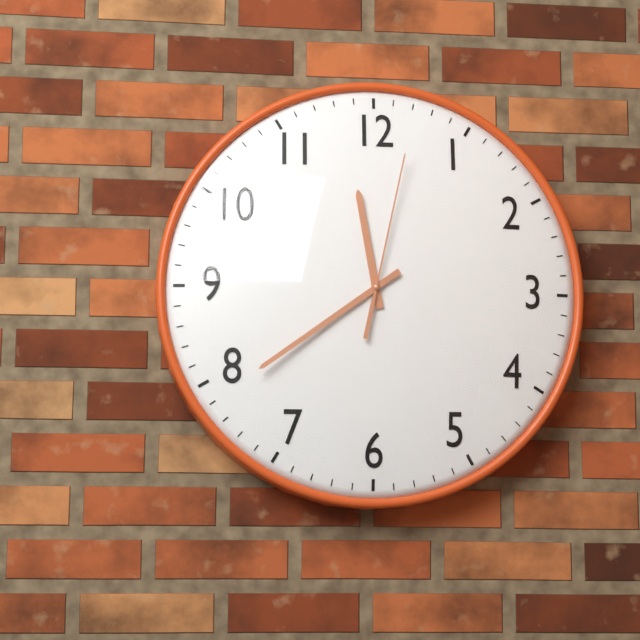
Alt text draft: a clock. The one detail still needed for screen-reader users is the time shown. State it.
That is 11:39:02
